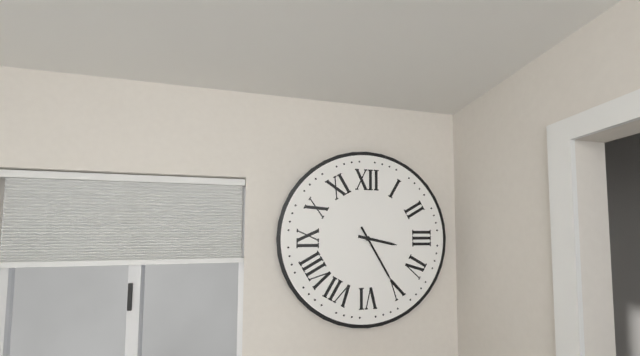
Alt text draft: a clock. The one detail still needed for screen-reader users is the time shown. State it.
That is 3:25
